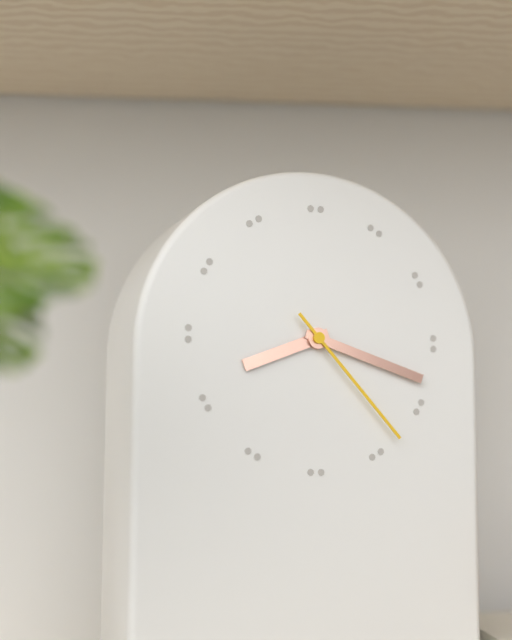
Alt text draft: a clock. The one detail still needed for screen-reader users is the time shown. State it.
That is 8:18:23
